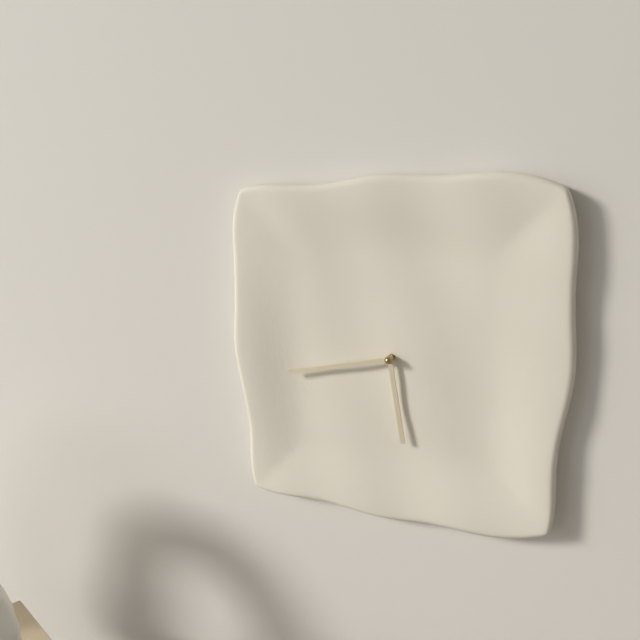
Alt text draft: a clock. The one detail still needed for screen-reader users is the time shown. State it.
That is 5:43
